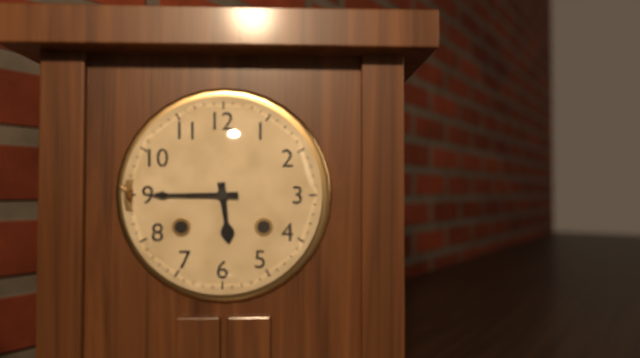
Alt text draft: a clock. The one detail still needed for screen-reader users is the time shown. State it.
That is 5:45
